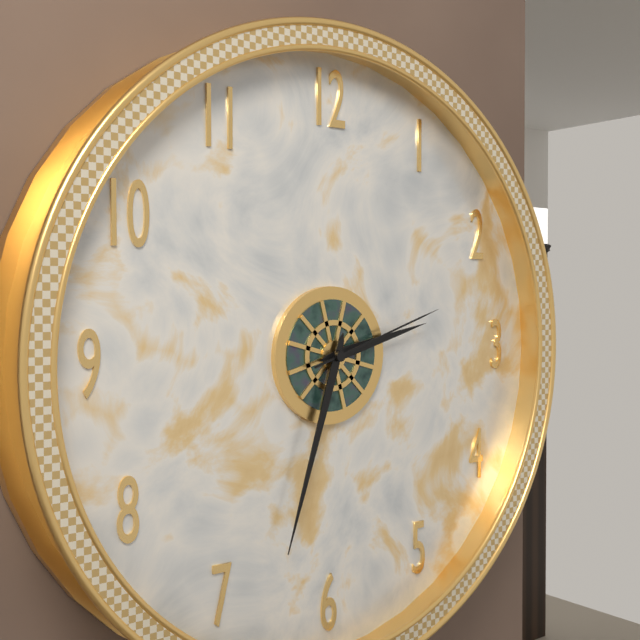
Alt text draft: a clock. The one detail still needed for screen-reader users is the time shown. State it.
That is 2:33:12
